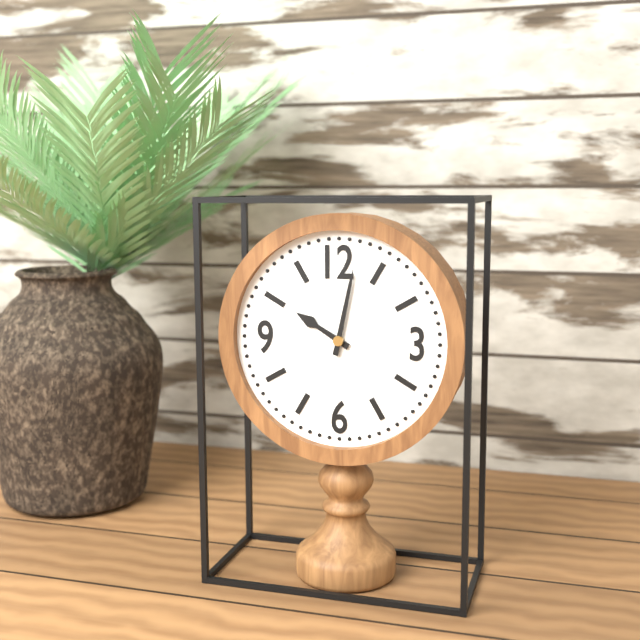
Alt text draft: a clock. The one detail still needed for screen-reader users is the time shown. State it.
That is 10:02
